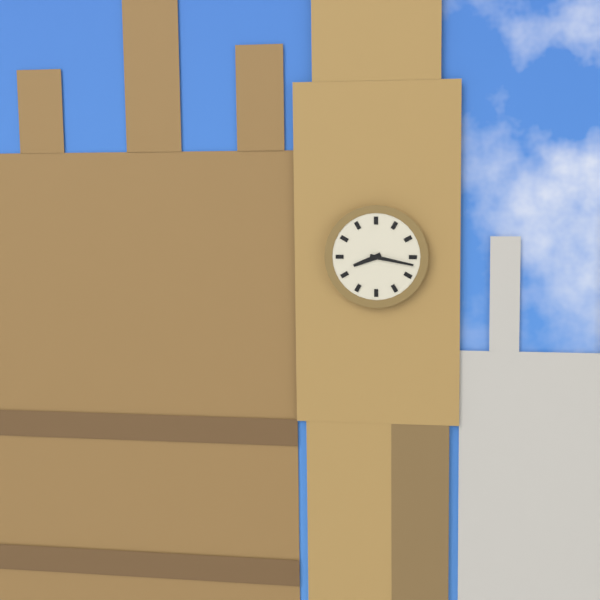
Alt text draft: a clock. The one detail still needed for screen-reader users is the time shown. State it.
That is 8:17
